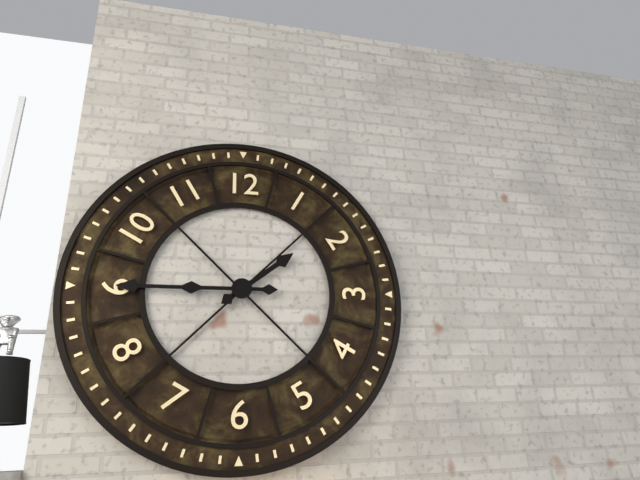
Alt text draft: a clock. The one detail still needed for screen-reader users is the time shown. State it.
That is 1:45
